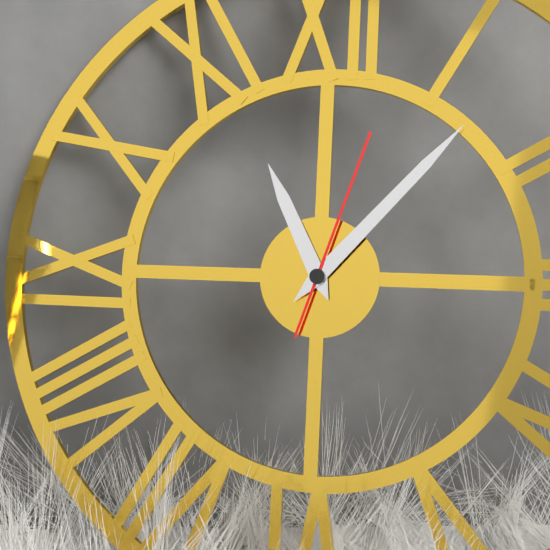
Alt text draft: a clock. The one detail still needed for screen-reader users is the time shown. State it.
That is 11:07:03
